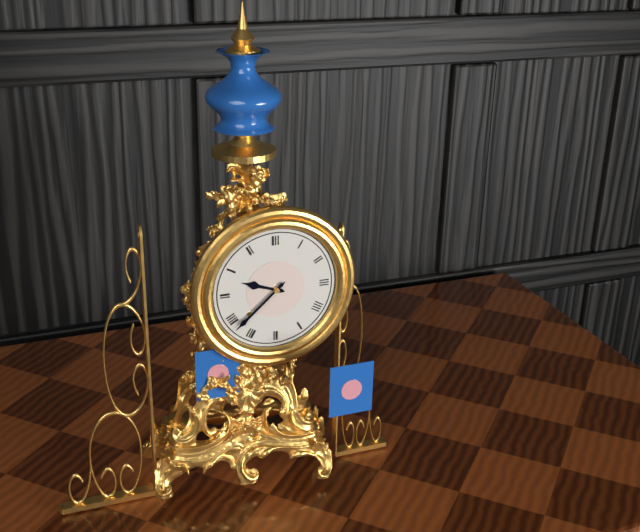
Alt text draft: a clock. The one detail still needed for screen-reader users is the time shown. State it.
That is 9:38
